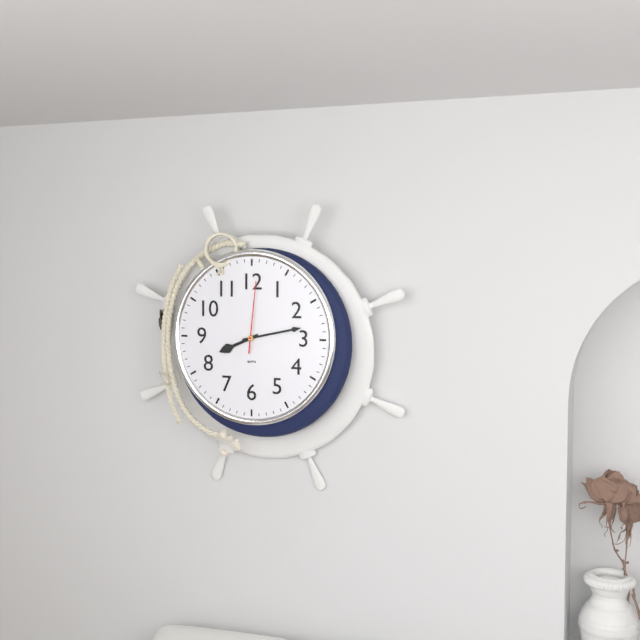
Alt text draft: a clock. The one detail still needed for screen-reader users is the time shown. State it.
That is 8:13:01
